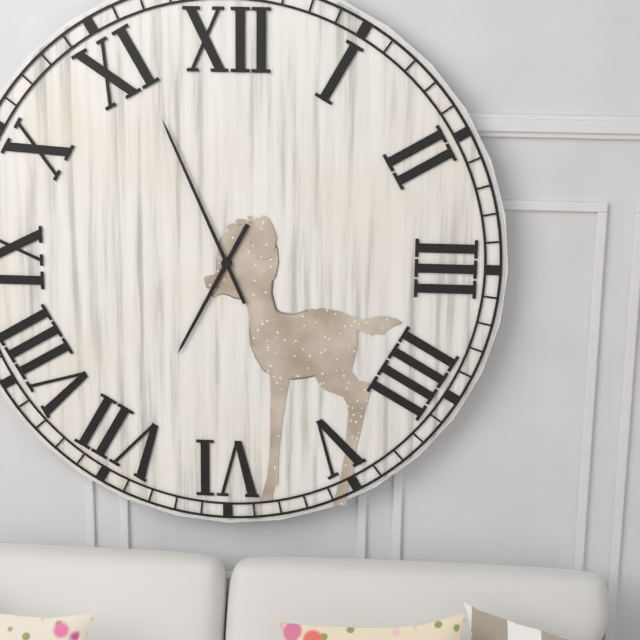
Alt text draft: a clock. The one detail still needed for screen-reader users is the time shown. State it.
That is 6:56
